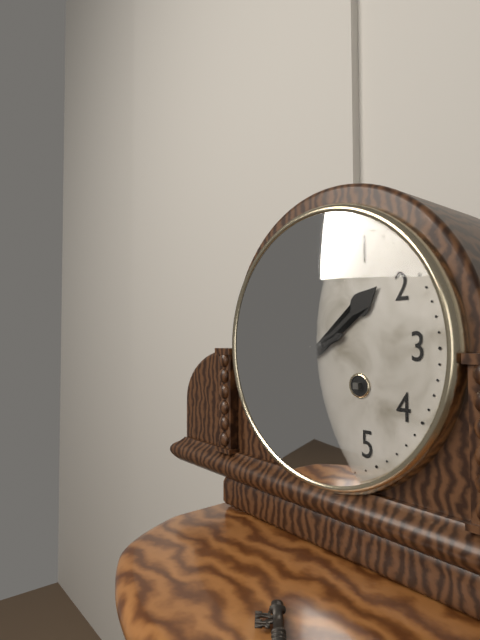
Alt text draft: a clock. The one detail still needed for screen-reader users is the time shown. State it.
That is 1:41
